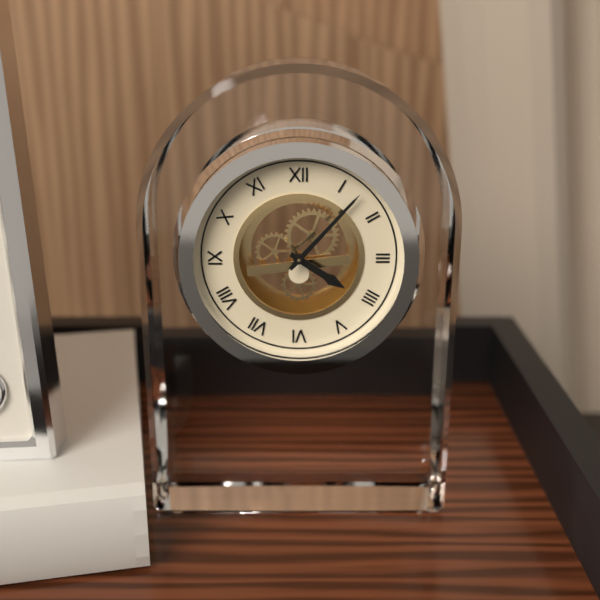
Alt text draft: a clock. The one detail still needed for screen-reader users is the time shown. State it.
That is 4:07
